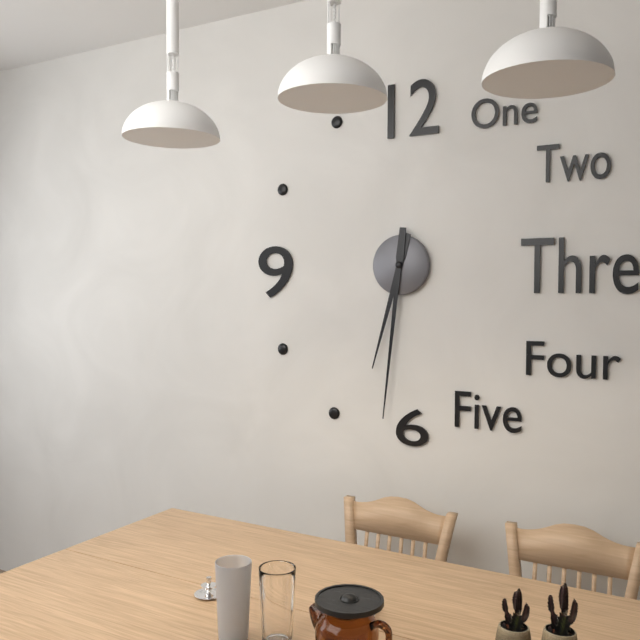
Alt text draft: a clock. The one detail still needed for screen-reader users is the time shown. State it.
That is 6:31
